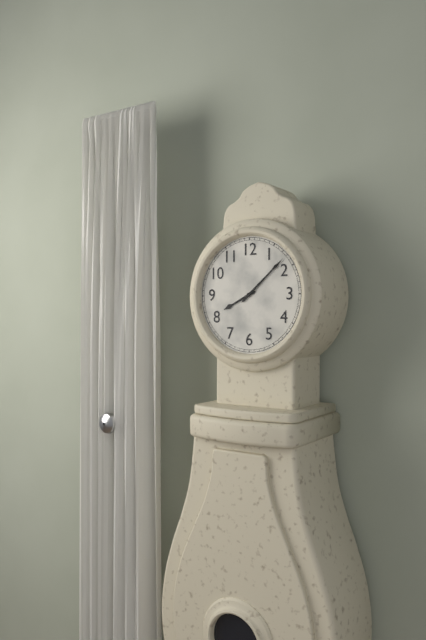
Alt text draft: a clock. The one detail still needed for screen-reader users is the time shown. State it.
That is 8:08
